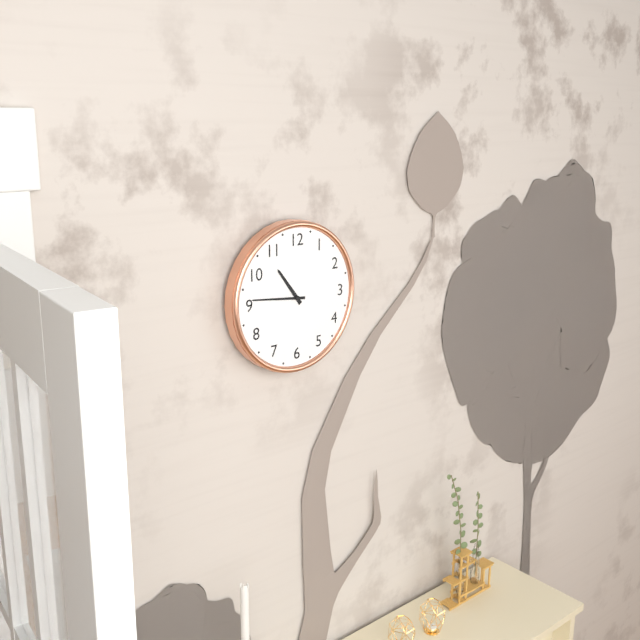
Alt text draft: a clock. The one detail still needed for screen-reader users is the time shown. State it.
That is 10:46
